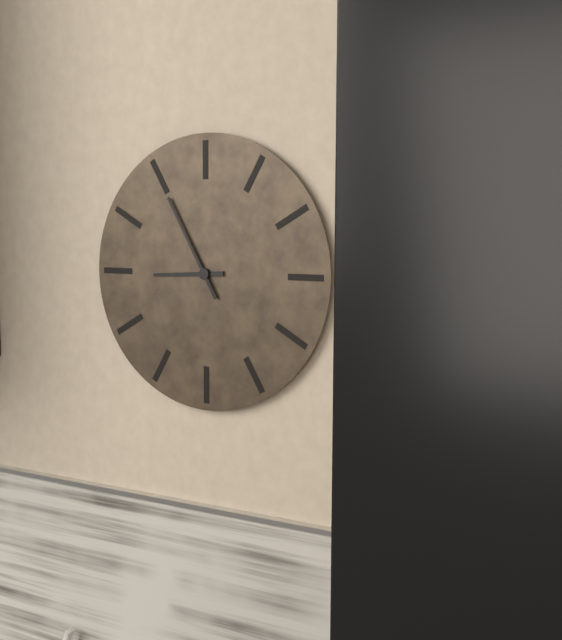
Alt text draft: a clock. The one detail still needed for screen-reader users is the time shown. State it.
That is 8:55
